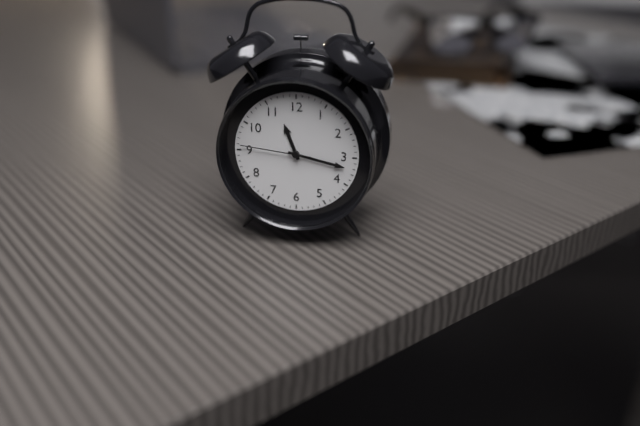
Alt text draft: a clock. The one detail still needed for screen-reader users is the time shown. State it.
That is 11:17:46
